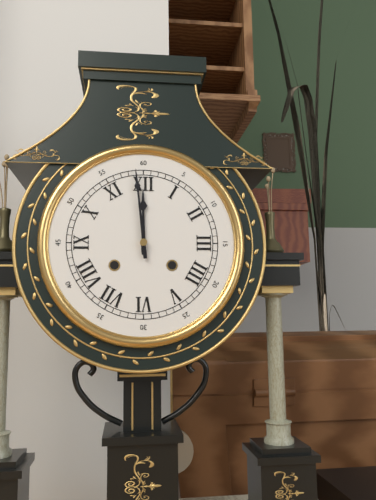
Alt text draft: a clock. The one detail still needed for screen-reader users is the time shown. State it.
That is 11:59
